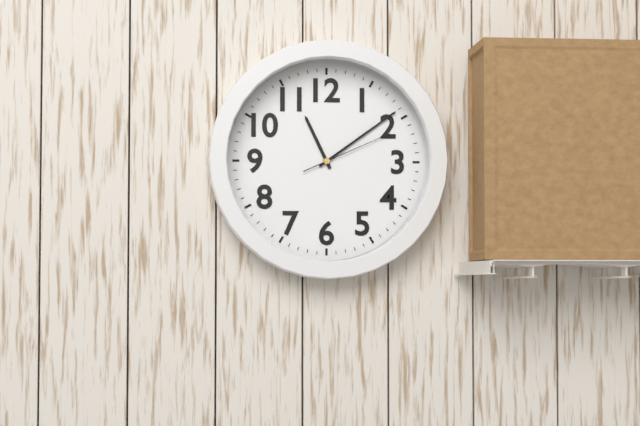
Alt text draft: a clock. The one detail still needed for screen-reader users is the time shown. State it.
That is 11:09:11
